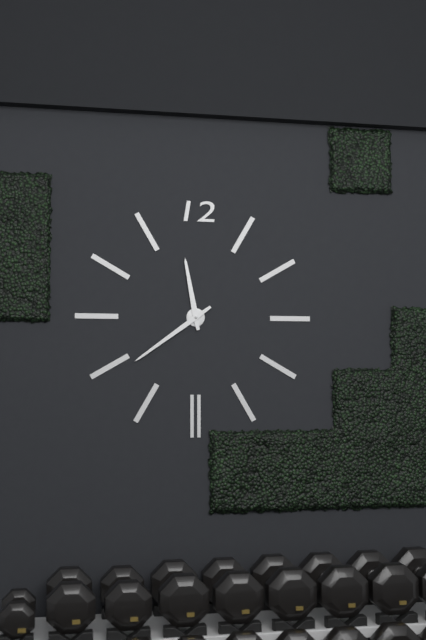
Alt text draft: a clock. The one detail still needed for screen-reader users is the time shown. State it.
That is 11:39
